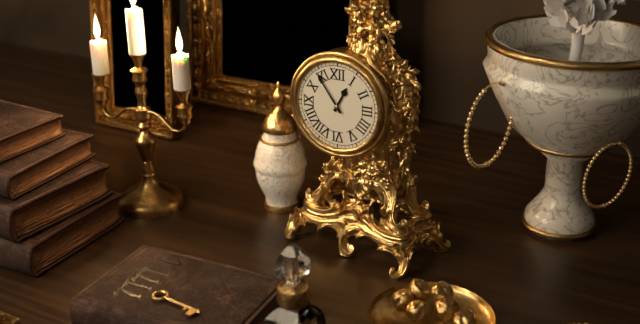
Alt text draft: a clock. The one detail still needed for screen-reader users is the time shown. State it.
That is 12:54
